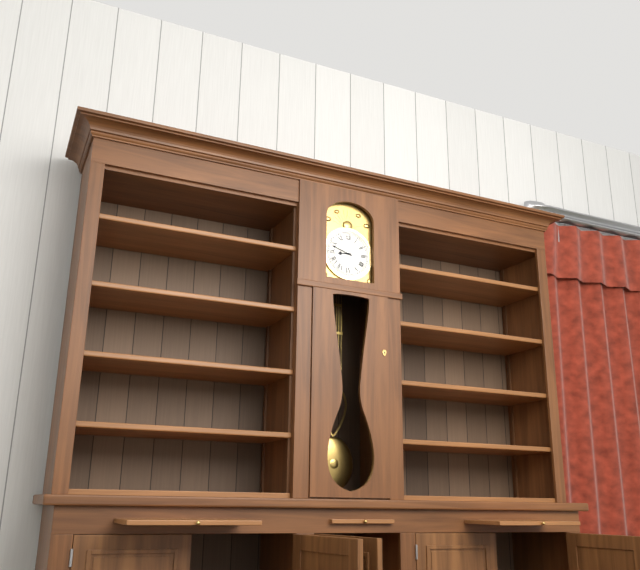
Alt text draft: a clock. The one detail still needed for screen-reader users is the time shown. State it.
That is 8:48
